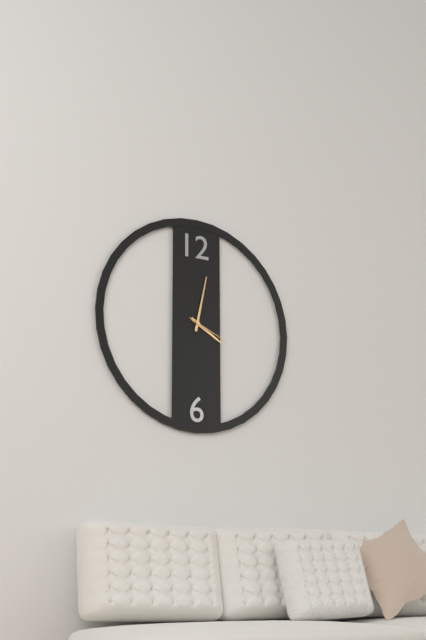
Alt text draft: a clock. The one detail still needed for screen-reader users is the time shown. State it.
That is 4:02
